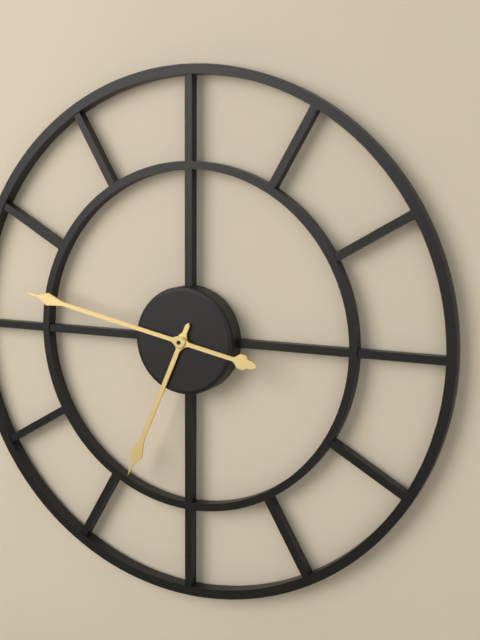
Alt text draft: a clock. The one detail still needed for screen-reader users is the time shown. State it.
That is 6:47
